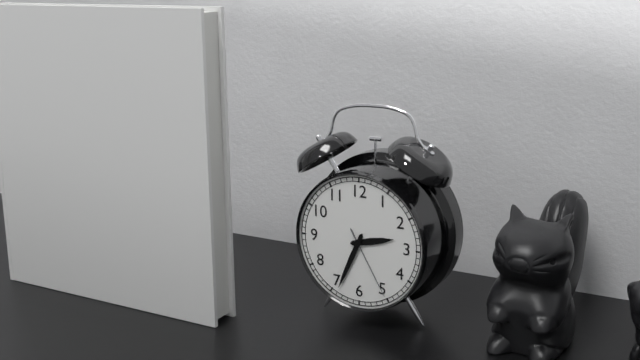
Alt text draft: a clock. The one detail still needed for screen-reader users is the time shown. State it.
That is 2:34:25
